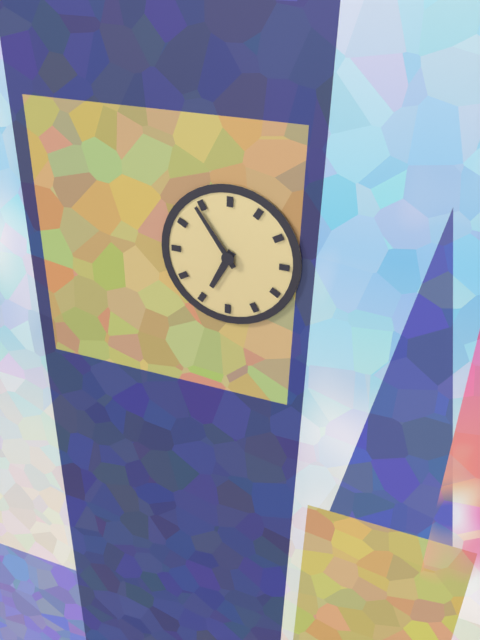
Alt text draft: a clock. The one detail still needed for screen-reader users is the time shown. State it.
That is 6:54
